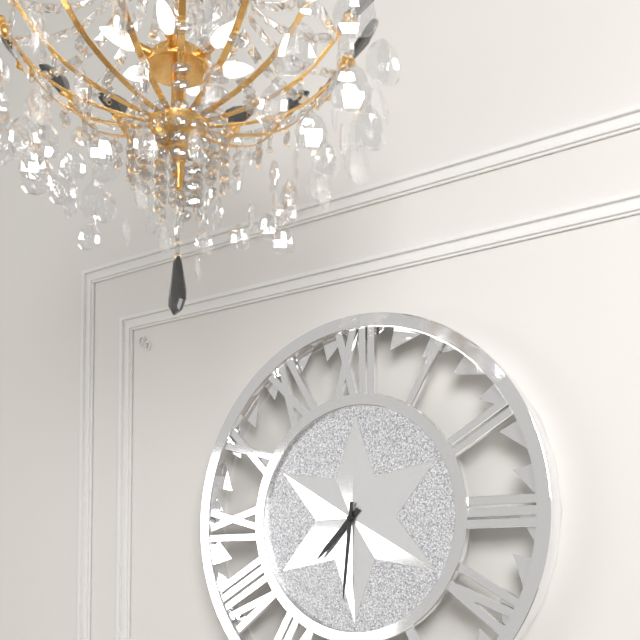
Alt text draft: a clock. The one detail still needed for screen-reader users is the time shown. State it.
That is 7:31
